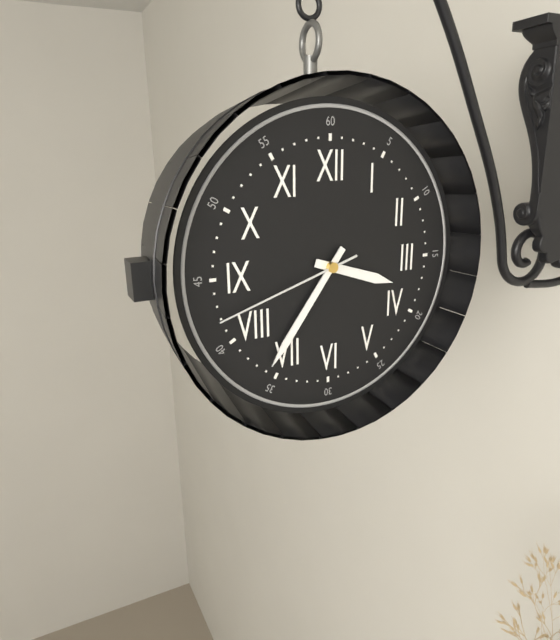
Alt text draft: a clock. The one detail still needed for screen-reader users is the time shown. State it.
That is 3:36:42
